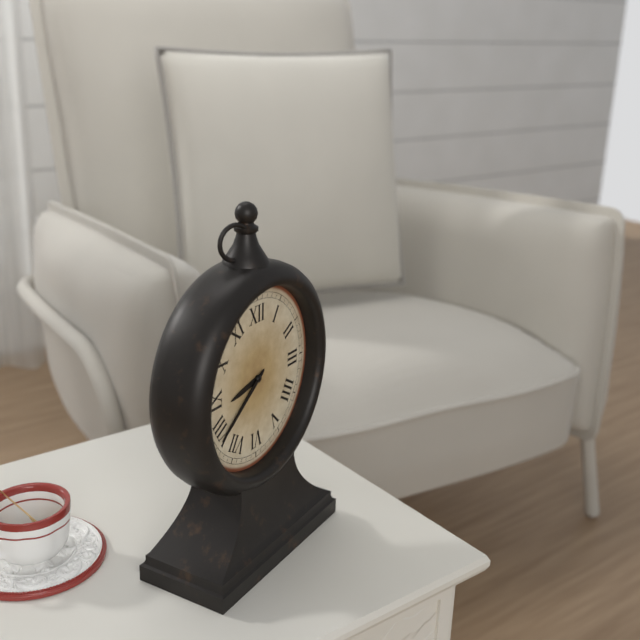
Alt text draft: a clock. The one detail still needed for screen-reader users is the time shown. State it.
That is 8:39
